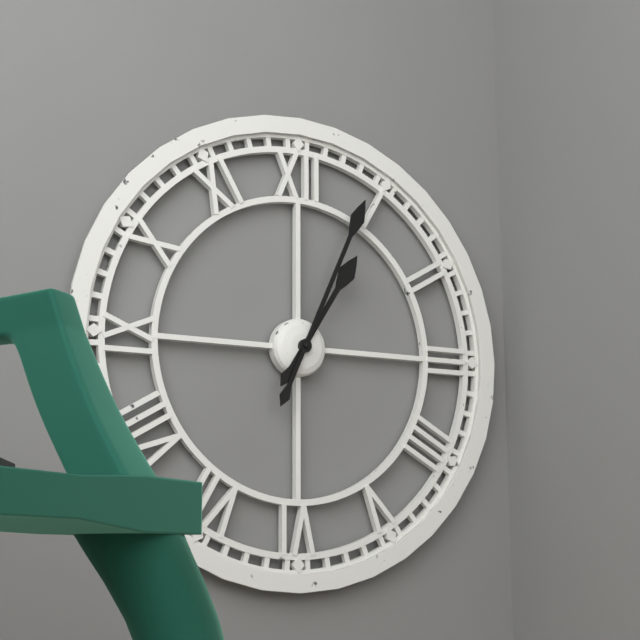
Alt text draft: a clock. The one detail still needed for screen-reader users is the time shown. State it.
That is 1:04
